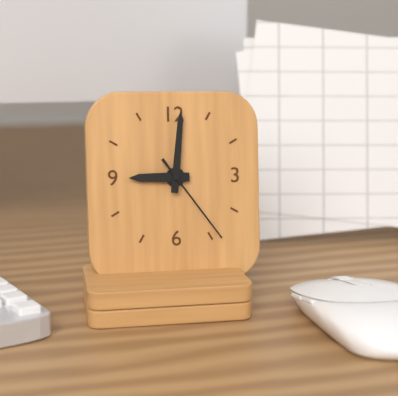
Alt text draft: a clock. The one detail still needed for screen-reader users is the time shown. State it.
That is 9:01:24
